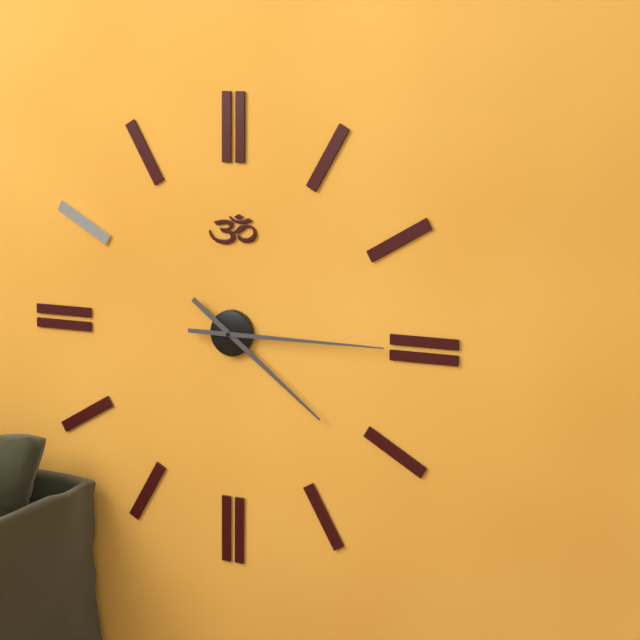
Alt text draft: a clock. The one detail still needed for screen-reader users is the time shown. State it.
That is 4:15
